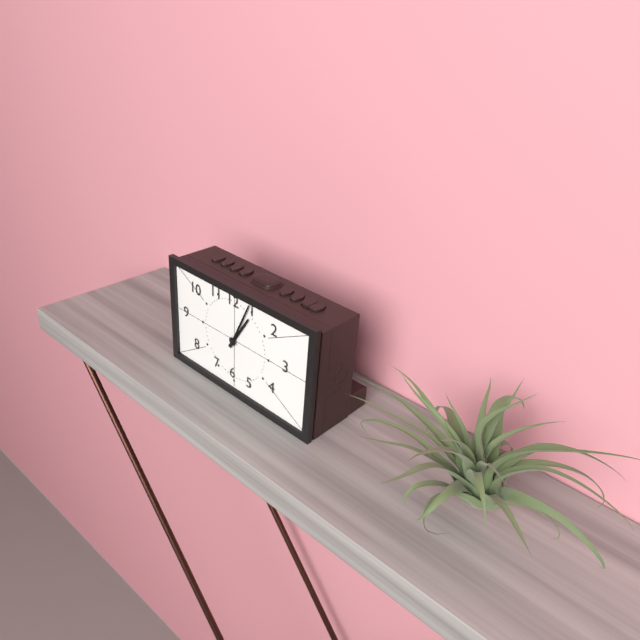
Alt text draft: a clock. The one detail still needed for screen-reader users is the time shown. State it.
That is 1:04
